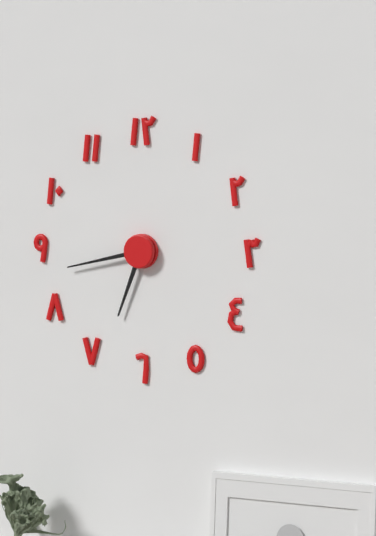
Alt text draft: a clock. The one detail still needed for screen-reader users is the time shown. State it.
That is 6:43
